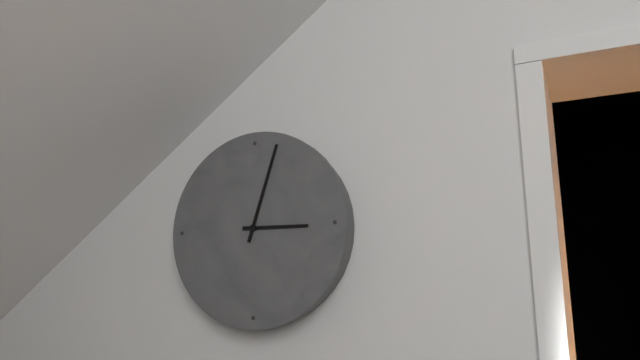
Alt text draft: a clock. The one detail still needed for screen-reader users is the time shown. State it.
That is 3:03
